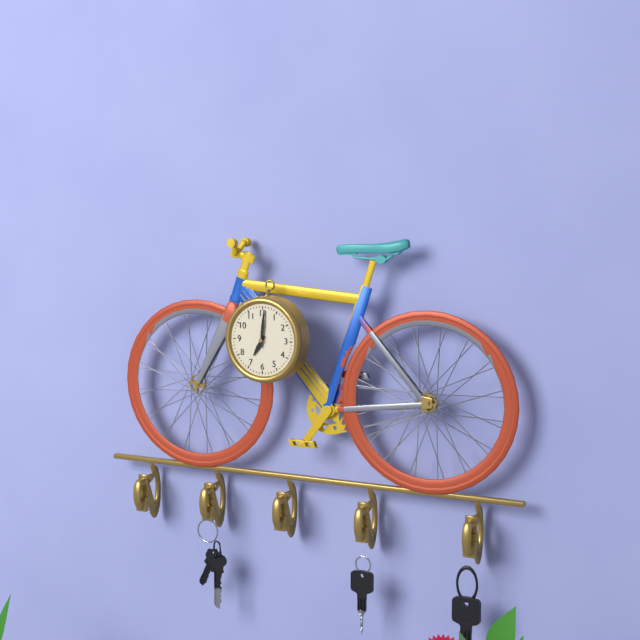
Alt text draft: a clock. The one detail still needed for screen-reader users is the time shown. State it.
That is 7:01
